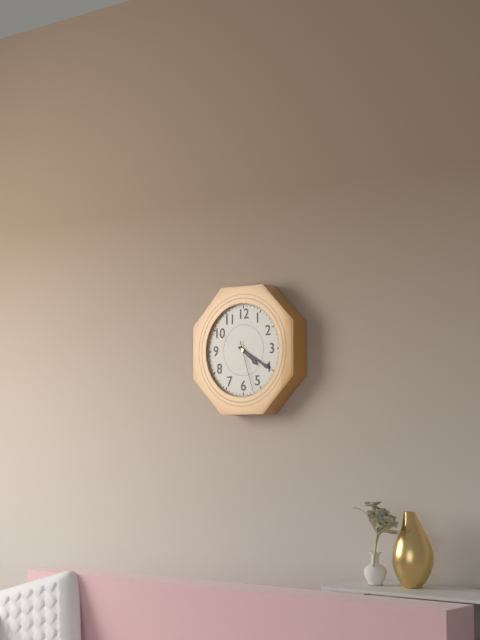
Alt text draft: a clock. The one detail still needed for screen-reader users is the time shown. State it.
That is 4:20:27
